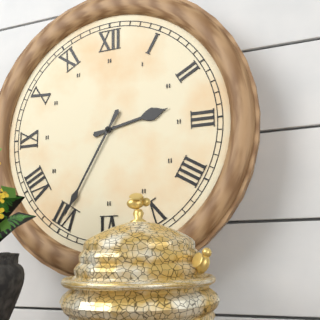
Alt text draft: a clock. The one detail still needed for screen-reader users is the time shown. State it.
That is 2:35
